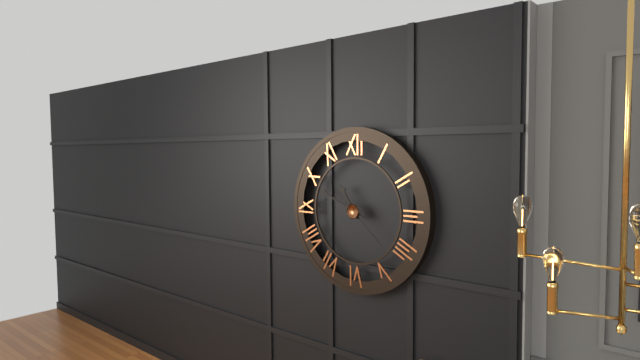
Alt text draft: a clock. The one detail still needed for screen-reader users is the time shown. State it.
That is 10:49:22
